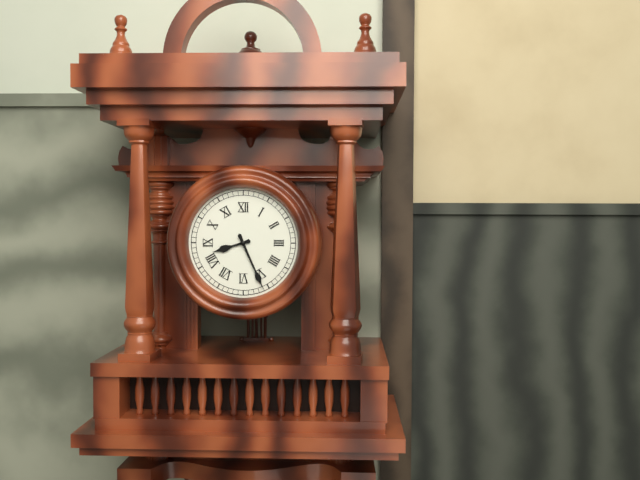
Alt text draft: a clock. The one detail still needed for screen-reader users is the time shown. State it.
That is 8:26
